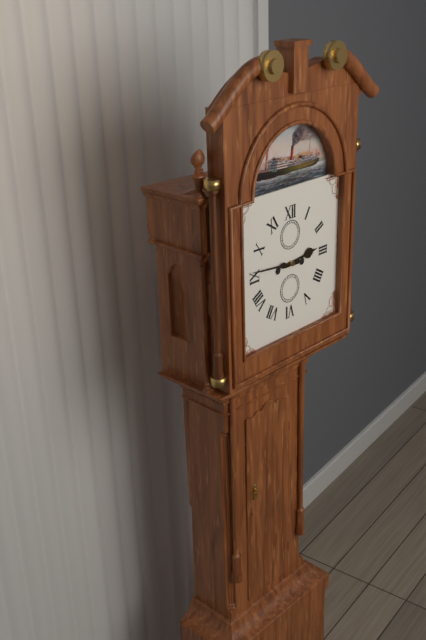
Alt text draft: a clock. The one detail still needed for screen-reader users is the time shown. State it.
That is 2:46
